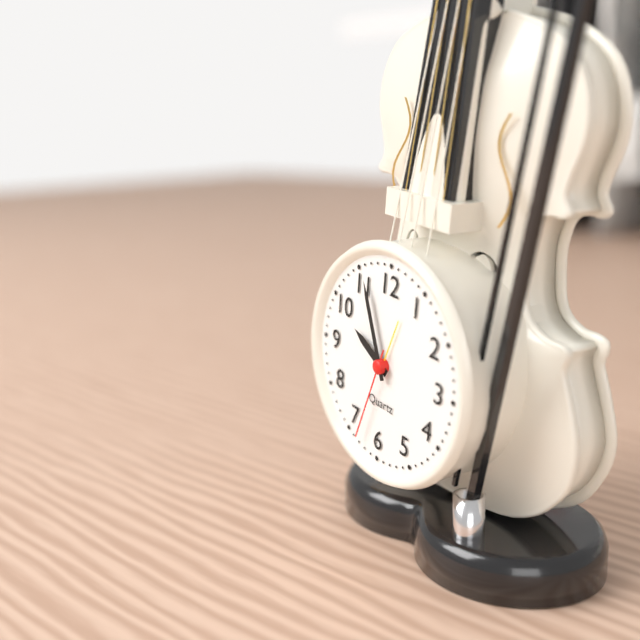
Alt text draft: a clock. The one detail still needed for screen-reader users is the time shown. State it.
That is 9:56:33
